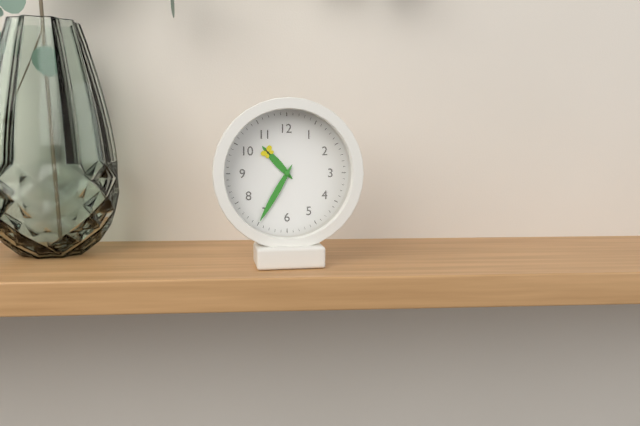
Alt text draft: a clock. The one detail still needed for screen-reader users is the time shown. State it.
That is 10:35
